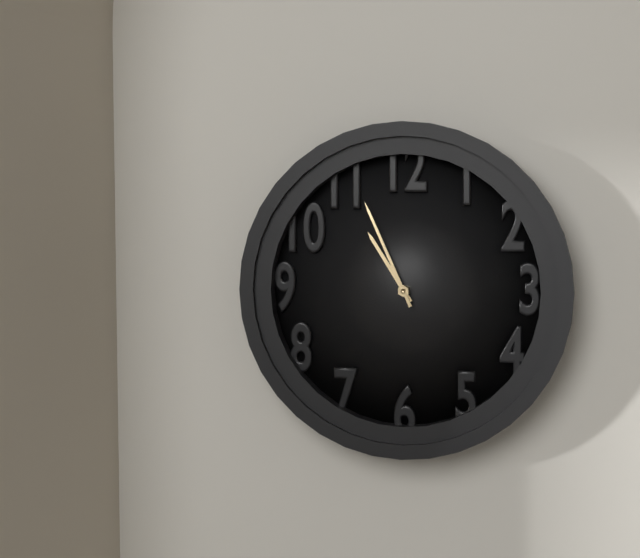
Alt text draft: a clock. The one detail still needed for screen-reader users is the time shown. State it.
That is 10:56
